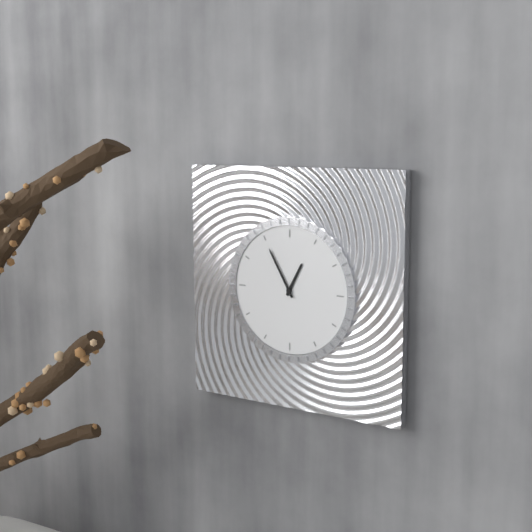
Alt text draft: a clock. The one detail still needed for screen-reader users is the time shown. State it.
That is 12:55
